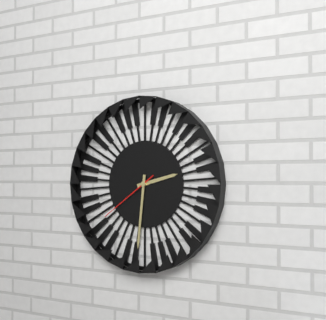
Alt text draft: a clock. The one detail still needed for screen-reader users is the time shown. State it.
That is 2:31:39
